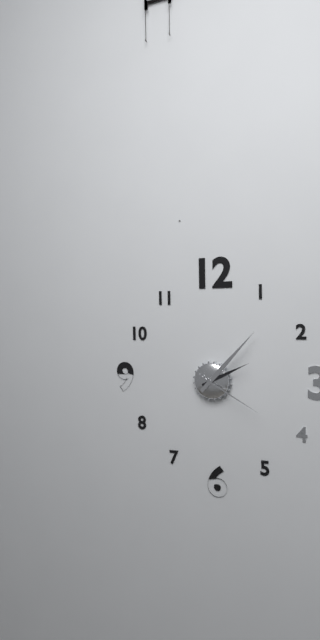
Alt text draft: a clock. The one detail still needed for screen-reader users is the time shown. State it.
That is 2:07:20
